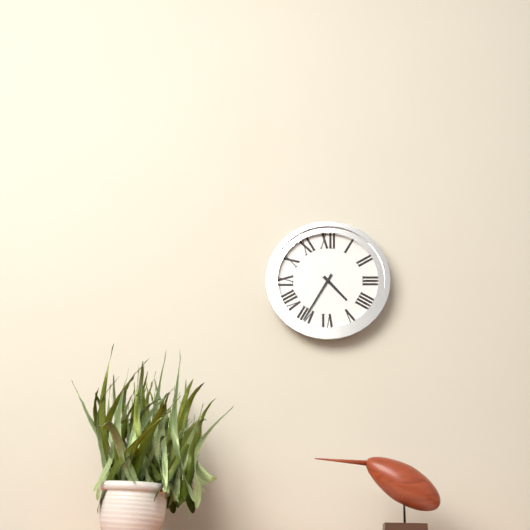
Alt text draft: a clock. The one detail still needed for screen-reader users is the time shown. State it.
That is 4:35
